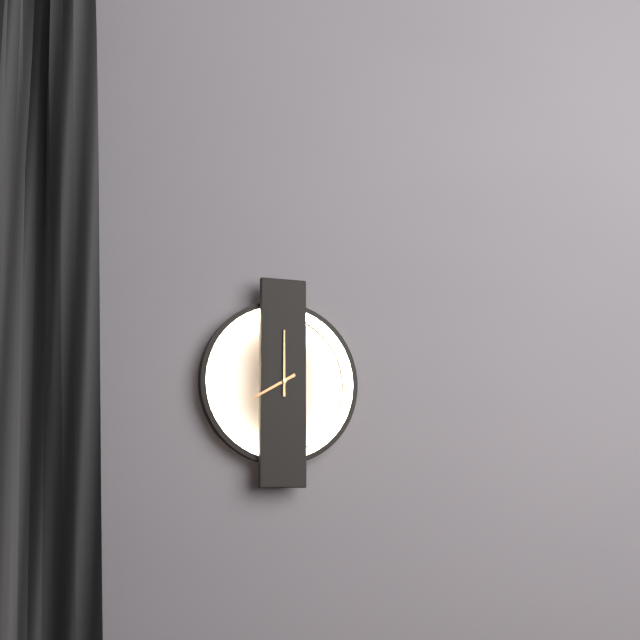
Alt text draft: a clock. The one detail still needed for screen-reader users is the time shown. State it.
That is 8:00
